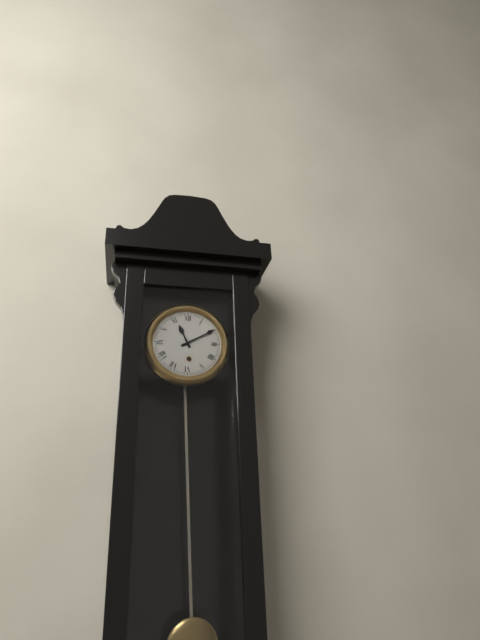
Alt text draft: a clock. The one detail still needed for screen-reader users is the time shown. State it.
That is 11:10
